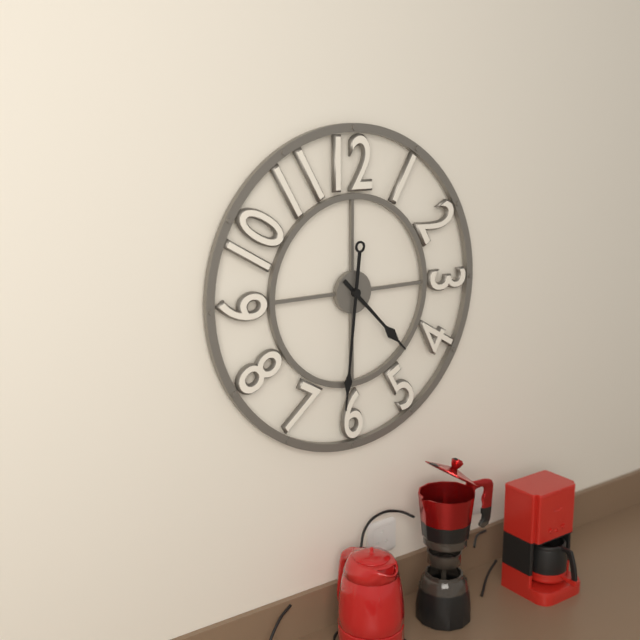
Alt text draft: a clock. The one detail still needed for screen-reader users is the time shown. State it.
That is 4:31
